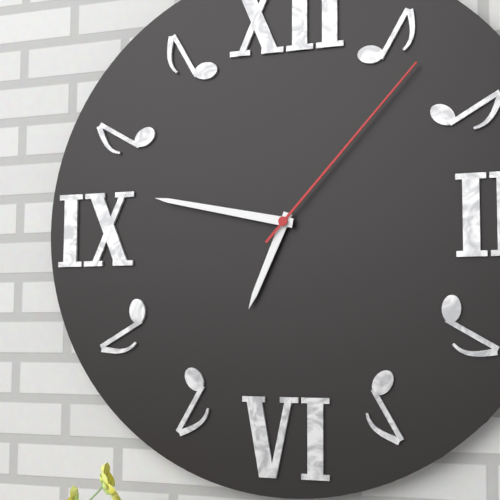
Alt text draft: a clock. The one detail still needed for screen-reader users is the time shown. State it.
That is 6:47:07
